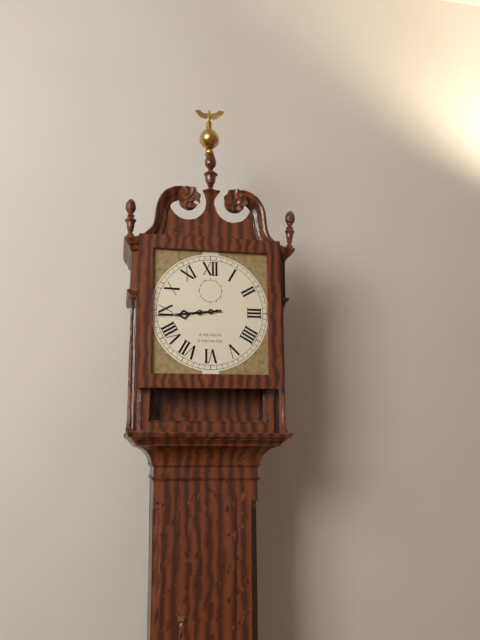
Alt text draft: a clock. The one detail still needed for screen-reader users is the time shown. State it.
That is 8:44
